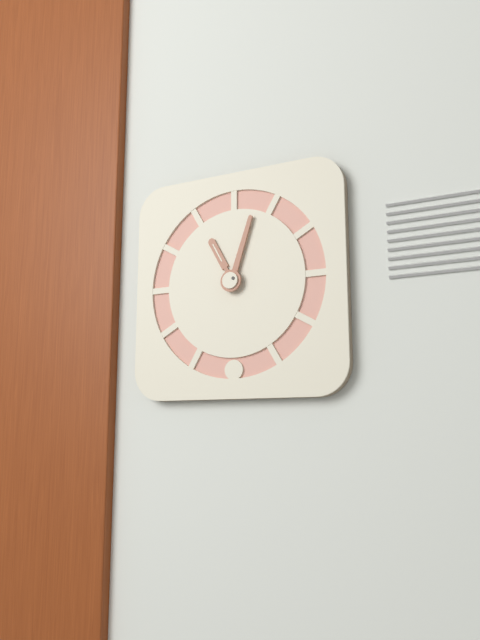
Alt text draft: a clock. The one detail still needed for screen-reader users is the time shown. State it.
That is 11:03
